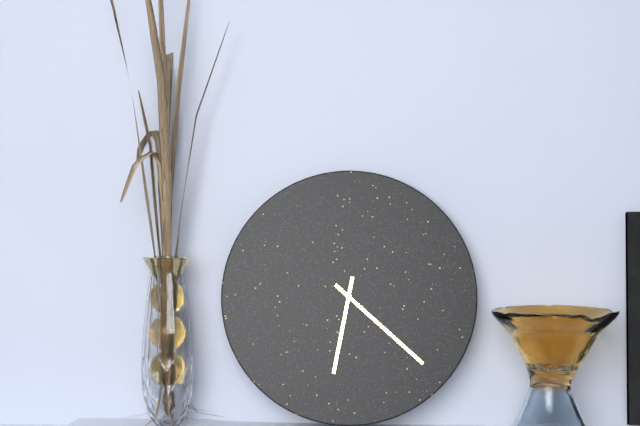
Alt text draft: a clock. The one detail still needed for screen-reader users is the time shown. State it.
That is 6:22
